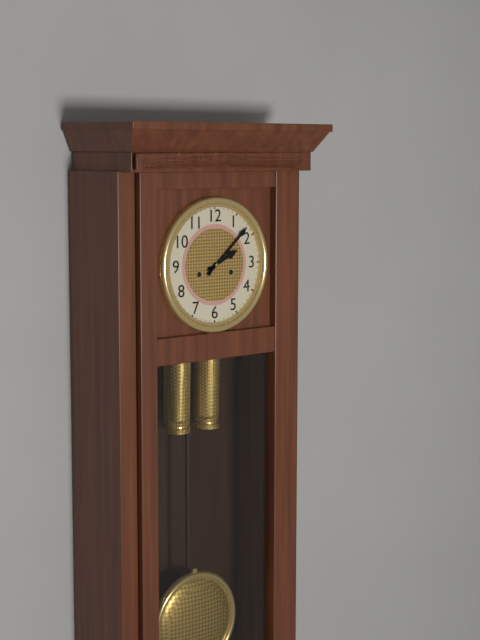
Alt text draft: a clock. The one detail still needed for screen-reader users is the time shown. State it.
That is 2:08
